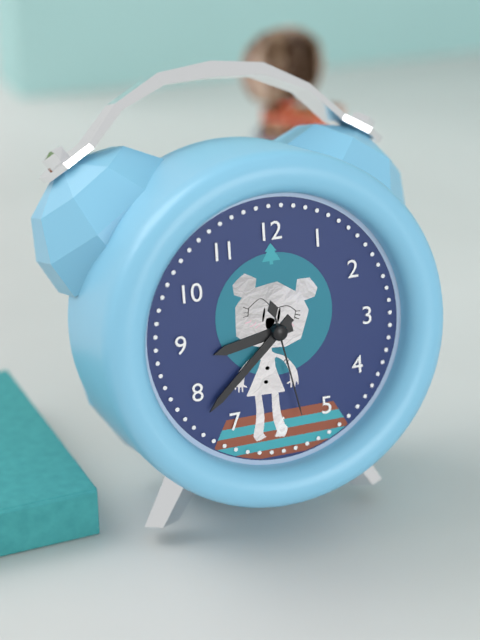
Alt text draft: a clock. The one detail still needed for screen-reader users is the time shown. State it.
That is 8:38:28
